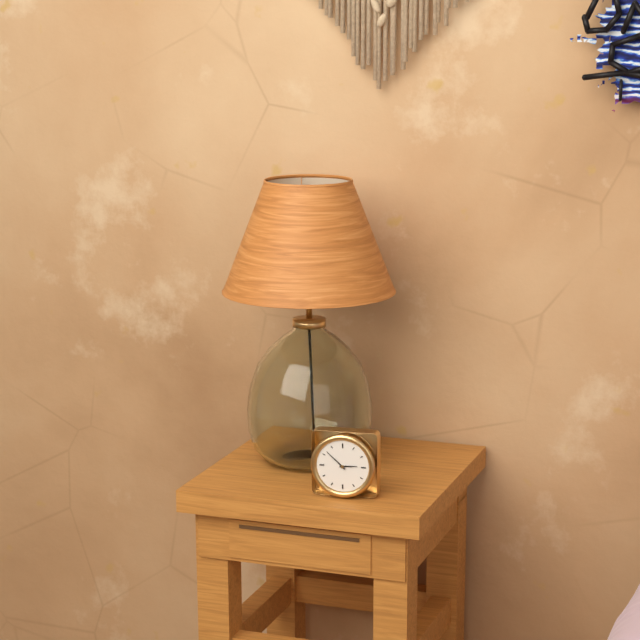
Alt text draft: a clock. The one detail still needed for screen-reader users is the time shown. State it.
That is 2:52
